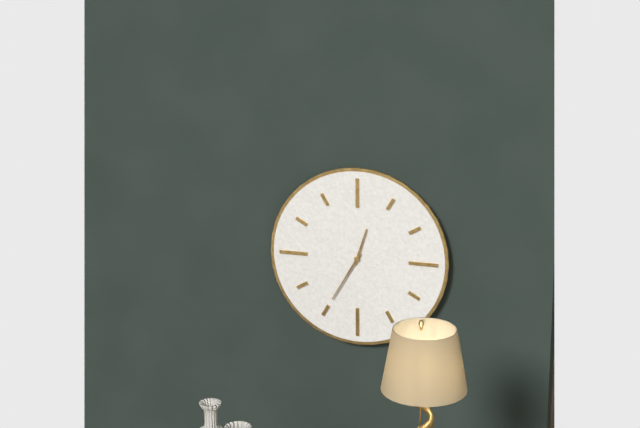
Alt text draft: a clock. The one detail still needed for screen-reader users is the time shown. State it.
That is 12:35
